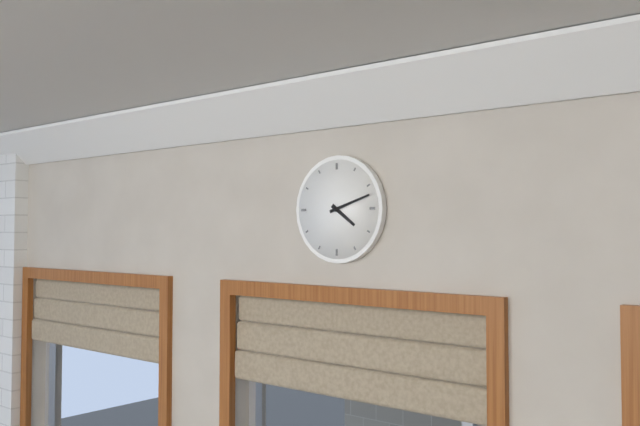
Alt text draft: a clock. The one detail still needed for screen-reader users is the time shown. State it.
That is 4:12
